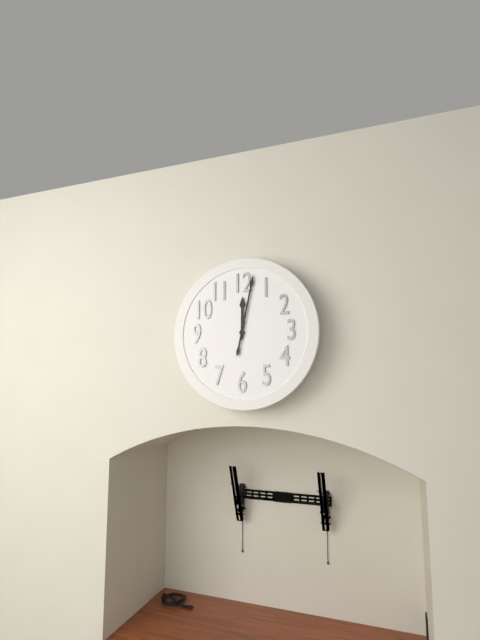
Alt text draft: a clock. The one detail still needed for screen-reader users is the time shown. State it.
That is 12:02
